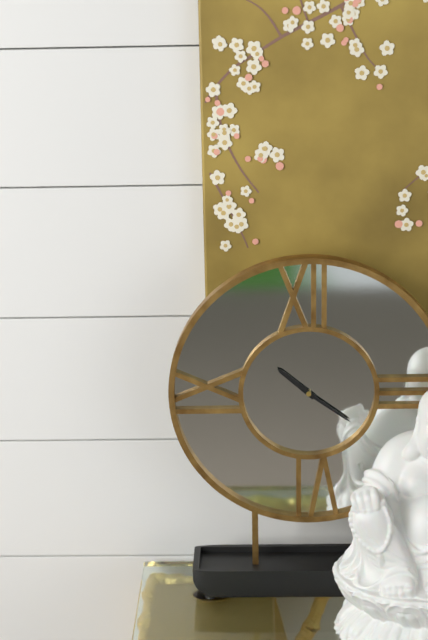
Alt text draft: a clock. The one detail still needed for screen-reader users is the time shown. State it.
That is 10:21
